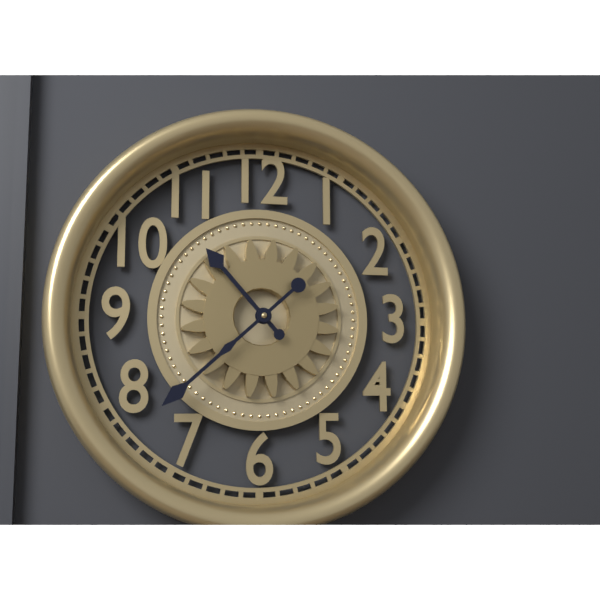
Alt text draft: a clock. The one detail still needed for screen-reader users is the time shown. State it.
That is 10:38
